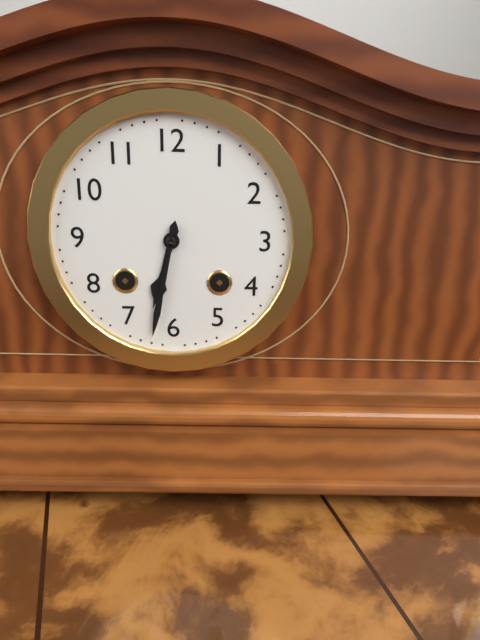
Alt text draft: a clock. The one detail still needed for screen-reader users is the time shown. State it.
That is 6:32
